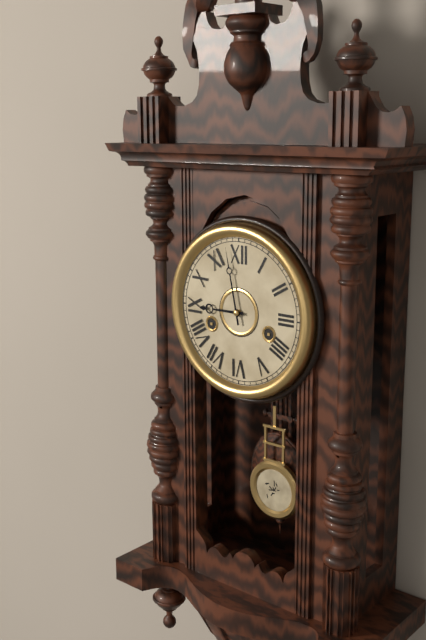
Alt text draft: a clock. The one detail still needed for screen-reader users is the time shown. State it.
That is 8:58
